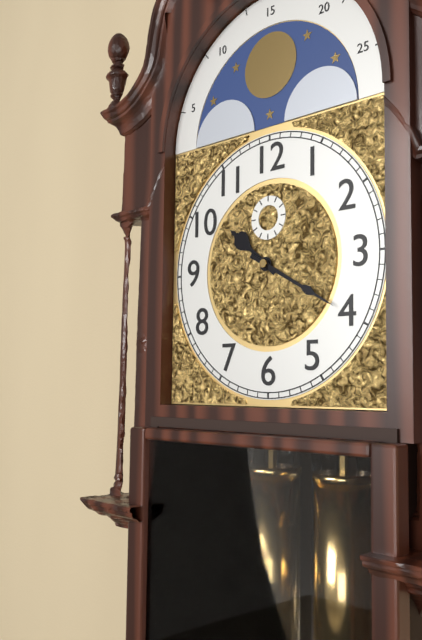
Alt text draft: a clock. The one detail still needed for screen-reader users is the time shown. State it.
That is 10:20
